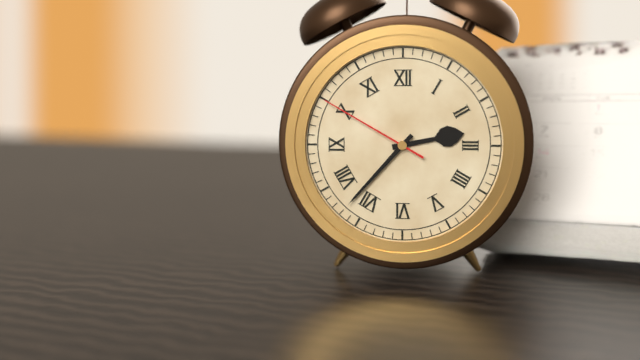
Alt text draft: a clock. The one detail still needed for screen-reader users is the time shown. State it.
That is 2:37:50
